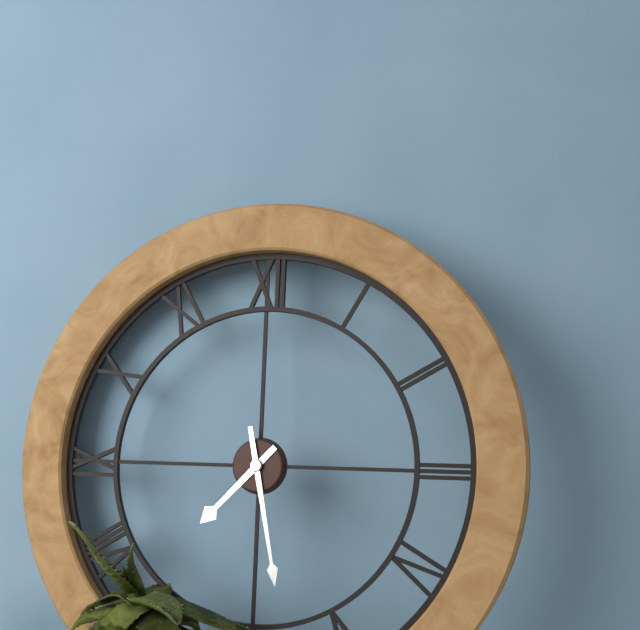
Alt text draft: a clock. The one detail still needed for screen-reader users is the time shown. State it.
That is 7:28
